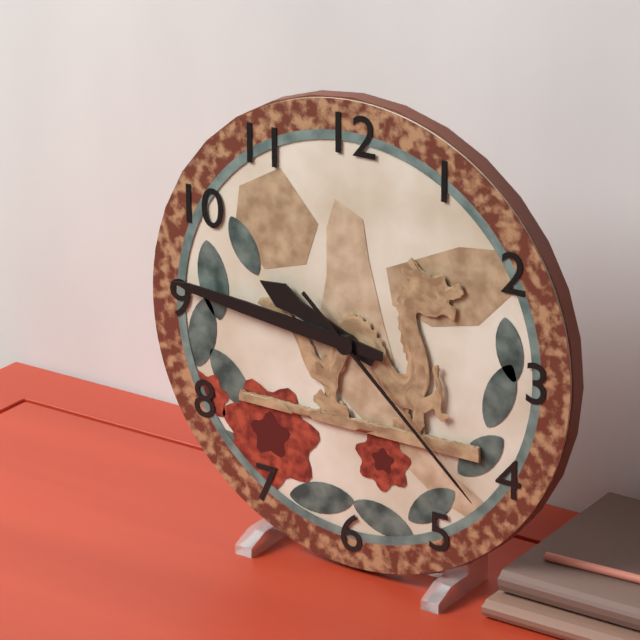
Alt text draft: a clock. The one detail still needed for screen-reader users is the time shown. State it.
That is 9:46:22
